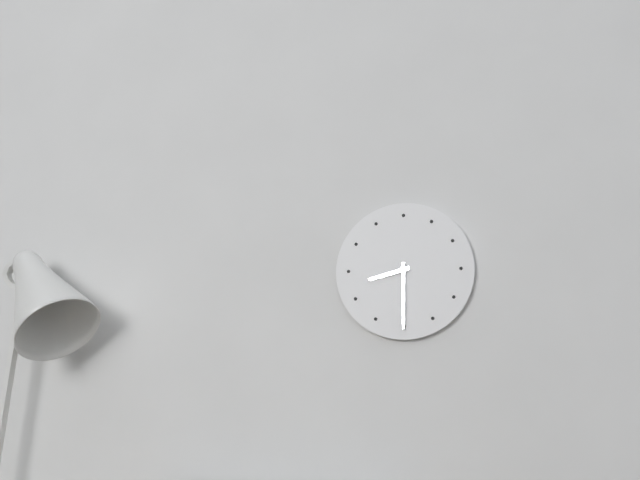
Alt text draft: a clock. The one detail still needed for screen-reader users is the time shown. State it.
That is 8:30
